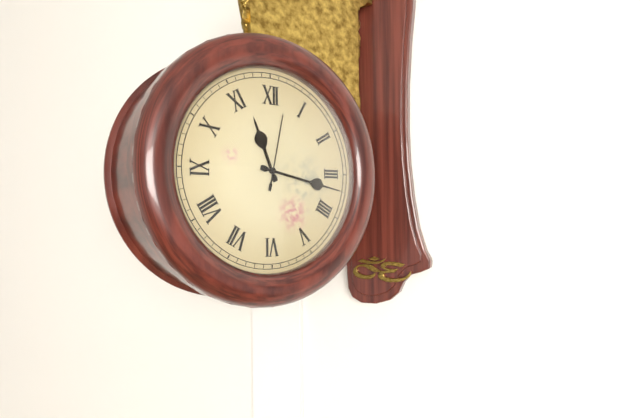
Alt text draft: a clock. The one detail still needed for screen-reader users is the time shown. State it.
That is 11:17:02
